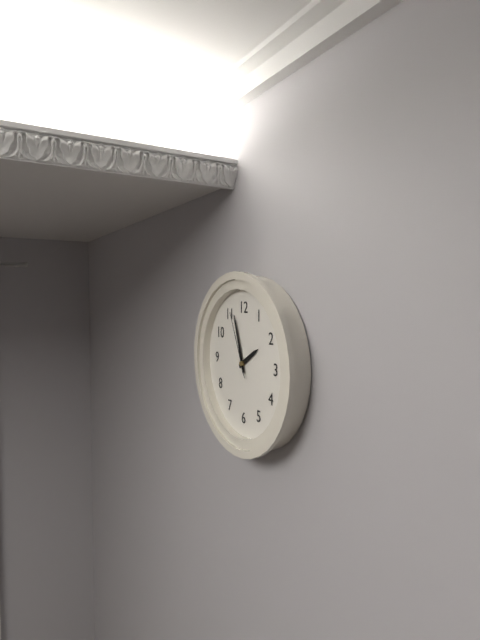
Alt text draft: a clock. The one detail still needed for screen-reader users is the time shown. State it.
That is 1:57:56
